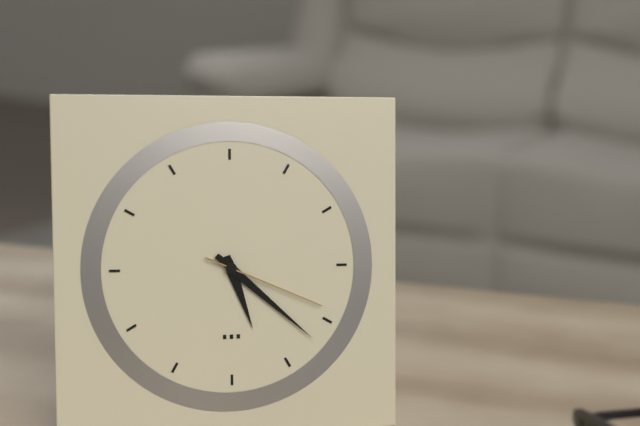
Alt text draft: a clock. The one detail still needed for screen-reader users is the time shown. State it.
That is 5:22:19
